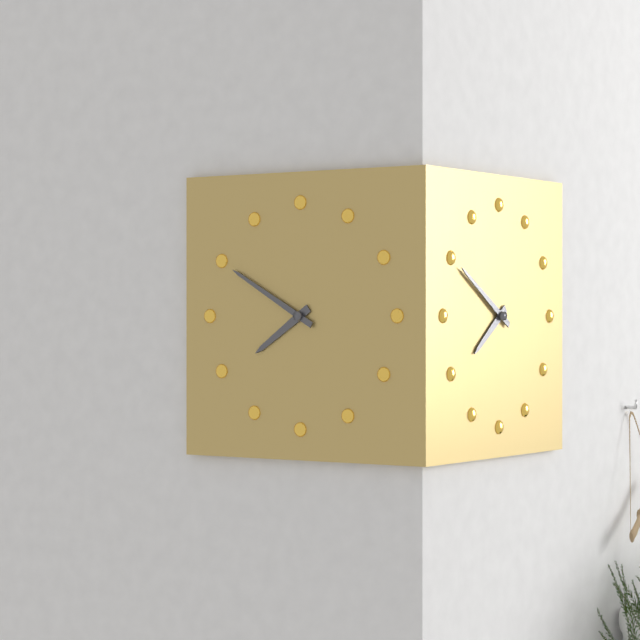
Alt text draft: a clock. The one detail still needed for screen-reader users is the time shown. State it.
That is 7:50
